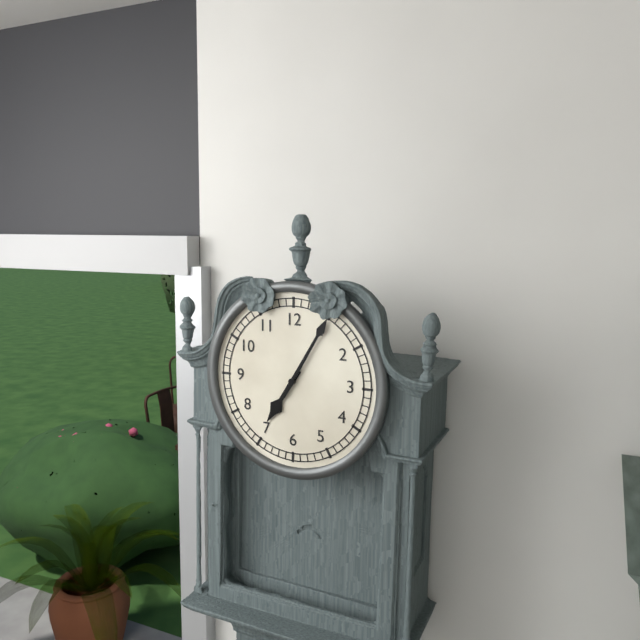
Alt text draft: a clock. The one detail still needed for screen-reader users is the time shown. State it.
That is 7:05
